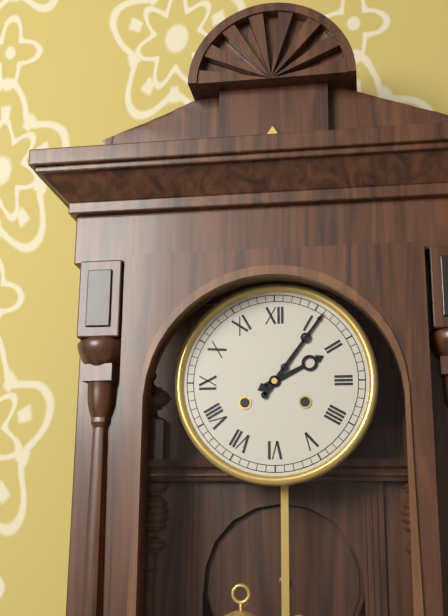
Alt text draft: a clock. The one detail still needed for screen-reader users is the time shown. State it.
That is 2:06
